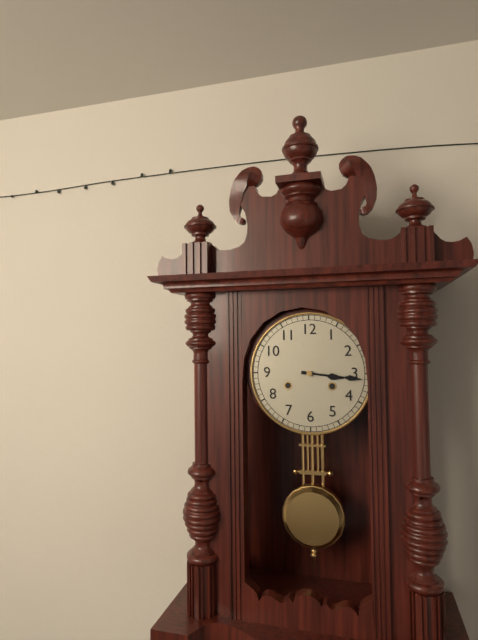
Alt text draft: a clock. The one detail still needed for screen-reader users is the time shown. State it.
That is 3:16
